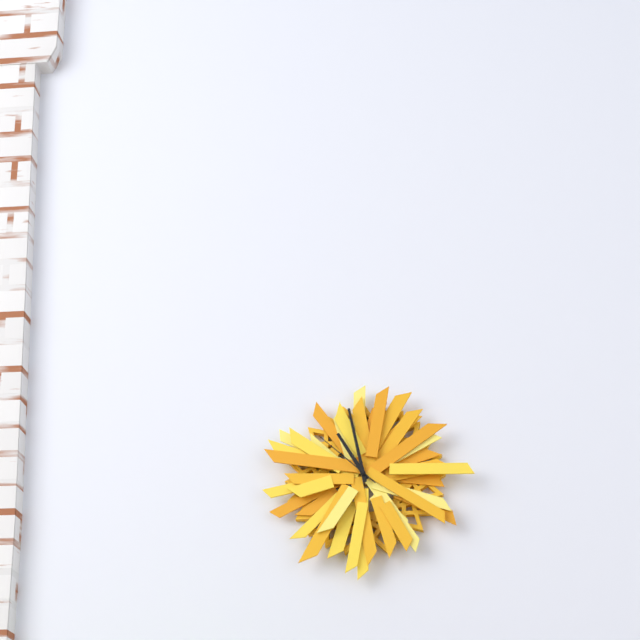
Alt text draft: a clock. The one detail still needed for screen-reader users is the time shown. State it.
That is 10:58:52
